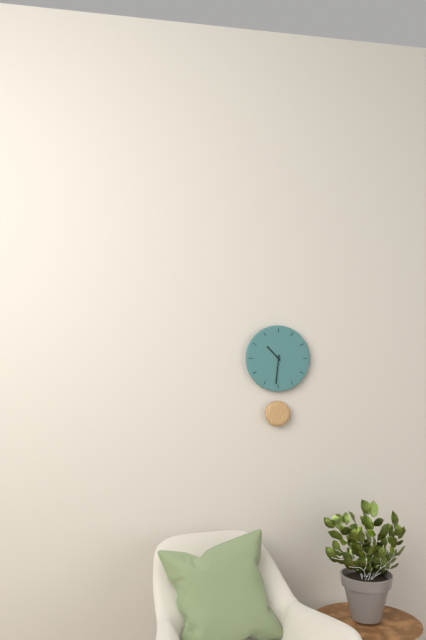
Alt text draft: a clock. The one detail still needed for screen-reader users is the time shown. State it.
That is 10:31
